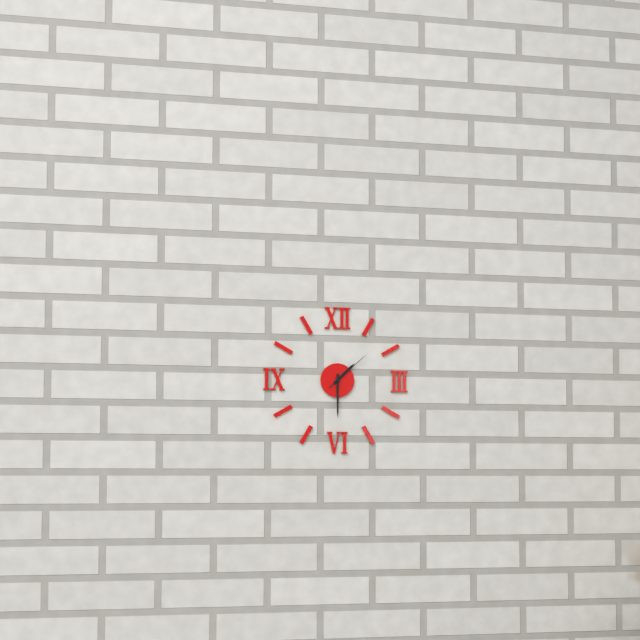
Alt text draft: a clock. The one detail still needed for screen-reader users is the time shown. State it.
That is 1:30
